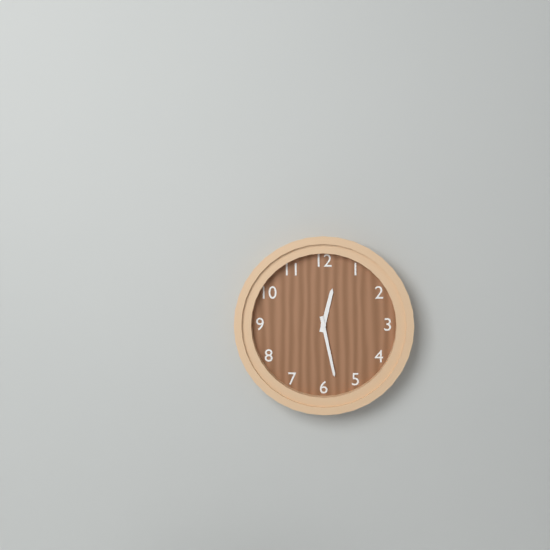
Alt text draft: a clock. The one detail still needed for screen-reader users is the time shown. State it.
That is 12:28
